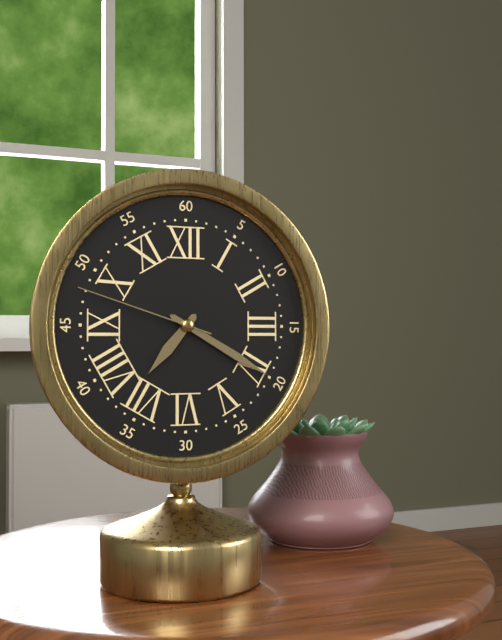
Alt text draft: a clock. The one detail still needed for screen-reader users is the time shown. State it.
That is 7:20:48
